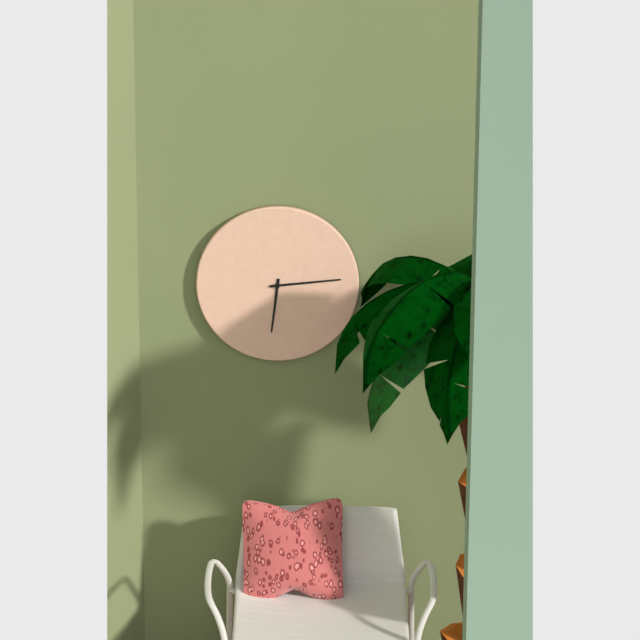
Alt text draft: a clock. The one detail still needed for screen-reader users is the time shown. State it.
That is 6:14
